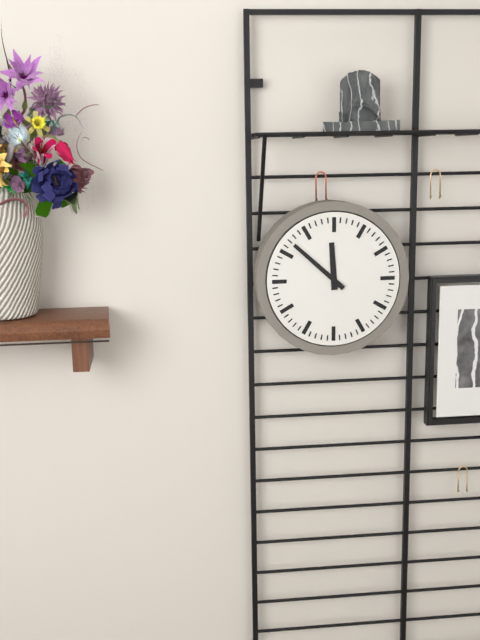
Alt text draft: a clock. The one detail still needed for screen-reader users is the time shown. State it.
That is 11:52
